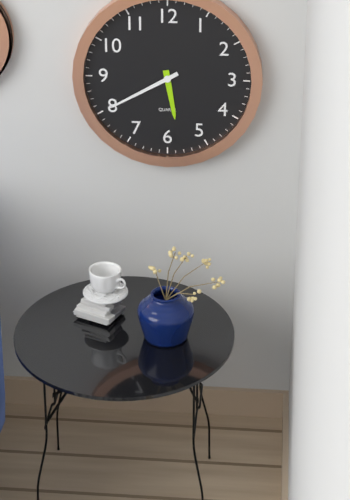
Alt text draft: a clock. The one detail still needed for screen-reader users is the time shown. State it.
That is 5:40
